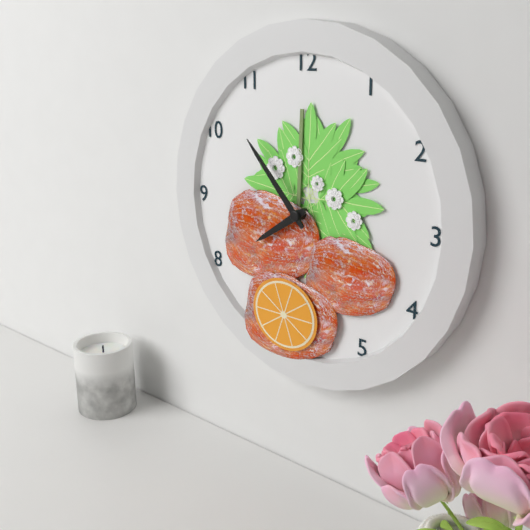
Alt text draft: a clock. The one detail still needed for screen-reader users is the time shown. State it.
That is 7:53
